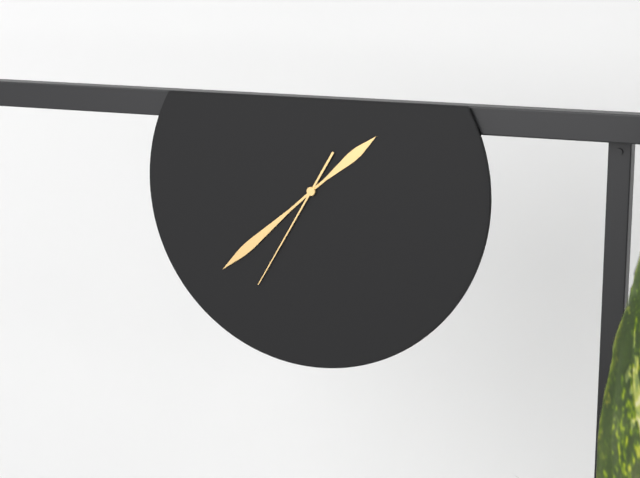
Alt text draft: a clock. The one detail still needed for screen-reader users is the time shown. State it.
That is 1:38:35
